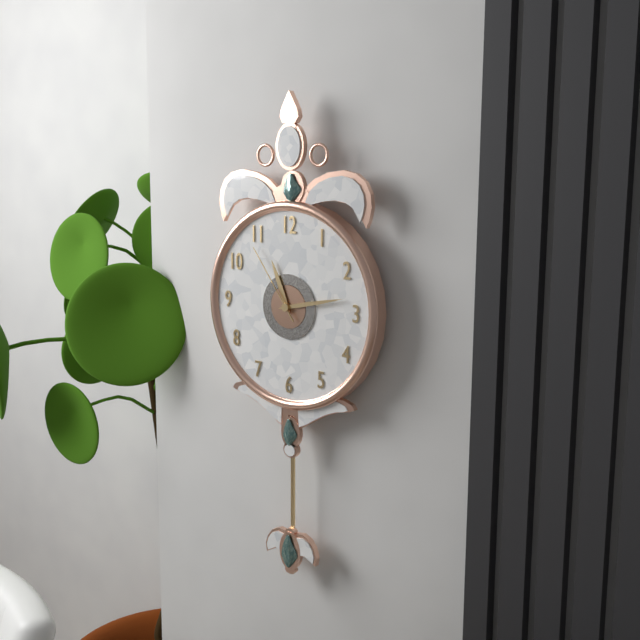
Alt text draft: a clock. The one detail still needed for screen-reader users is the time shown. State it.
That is 11:13:54
